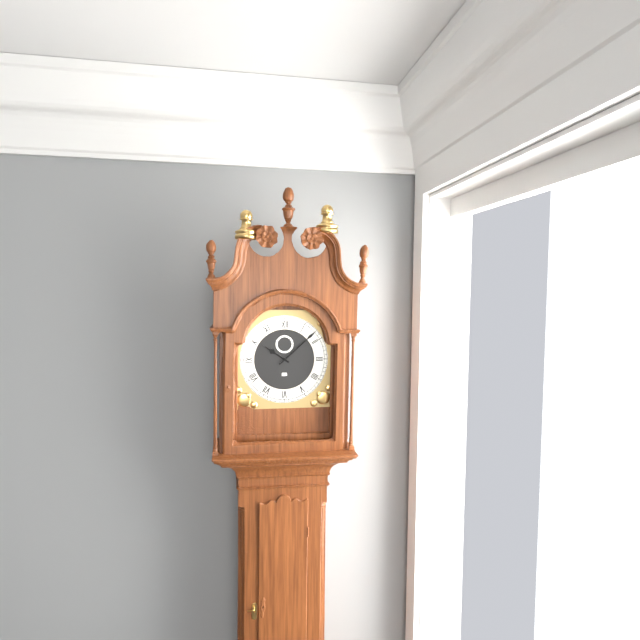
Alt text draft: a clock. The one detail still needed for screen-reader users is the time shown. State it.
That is 10:08
